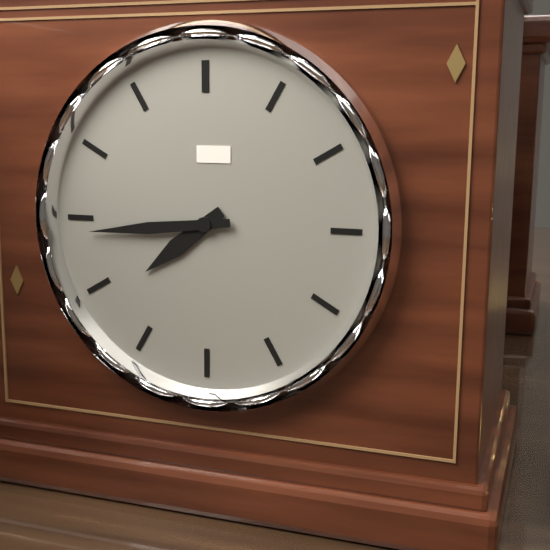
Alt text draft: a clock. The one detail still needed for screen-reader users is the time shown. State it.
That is 7:44
